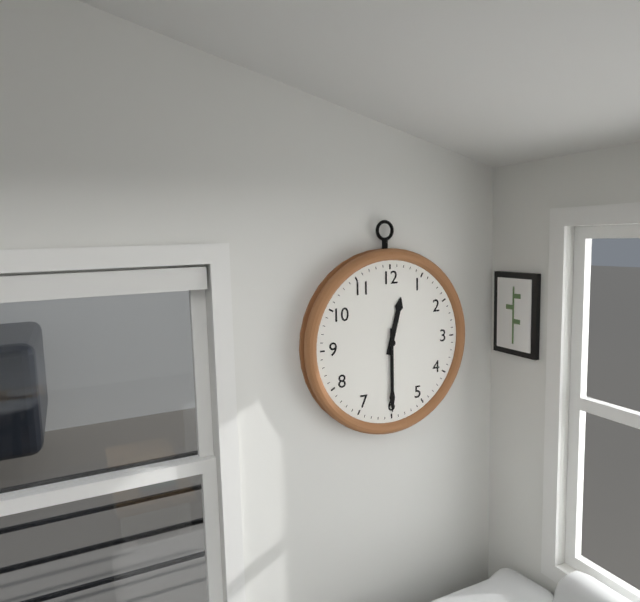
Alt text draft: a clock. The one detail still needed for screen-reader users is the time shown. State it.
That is 12:30
